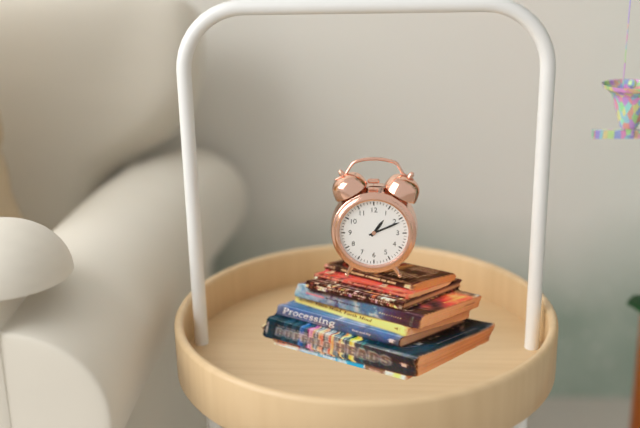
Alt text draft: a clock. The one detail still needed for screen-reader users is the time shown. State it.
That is 1:11
